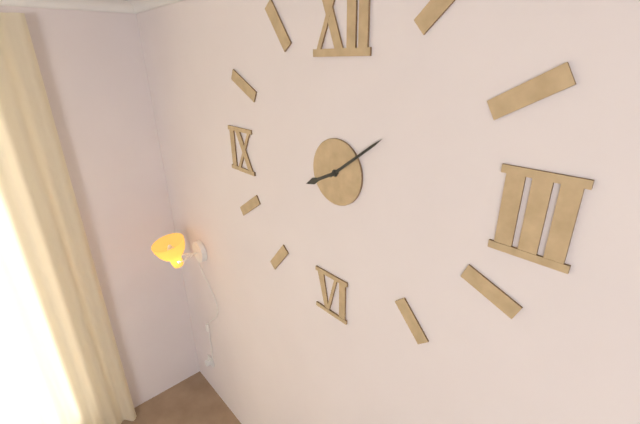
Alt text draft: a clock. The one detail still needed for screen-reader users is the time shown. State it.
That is 8:09
